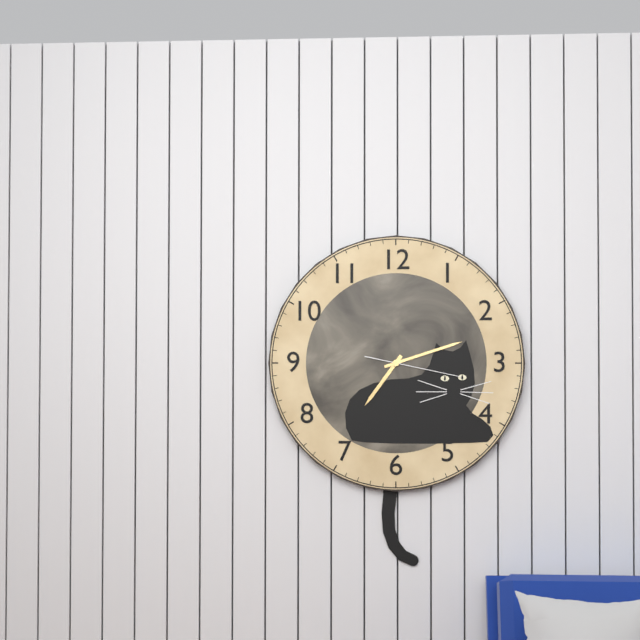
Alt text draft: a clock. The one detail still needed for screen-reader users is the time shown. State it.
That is 7:12:17
